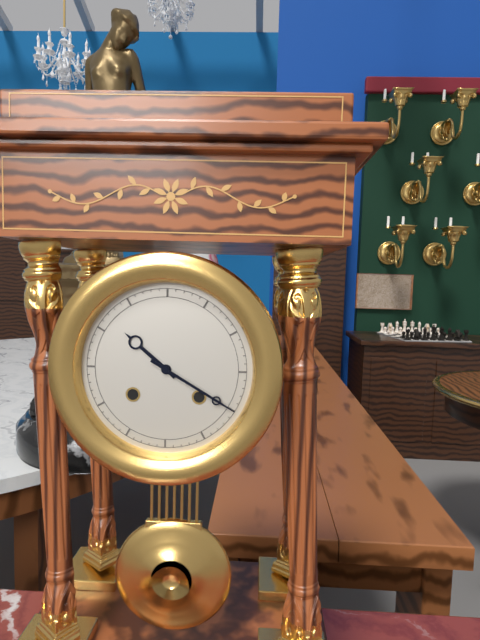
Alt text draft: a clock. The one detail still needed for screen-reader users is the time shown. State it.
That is 10:20
